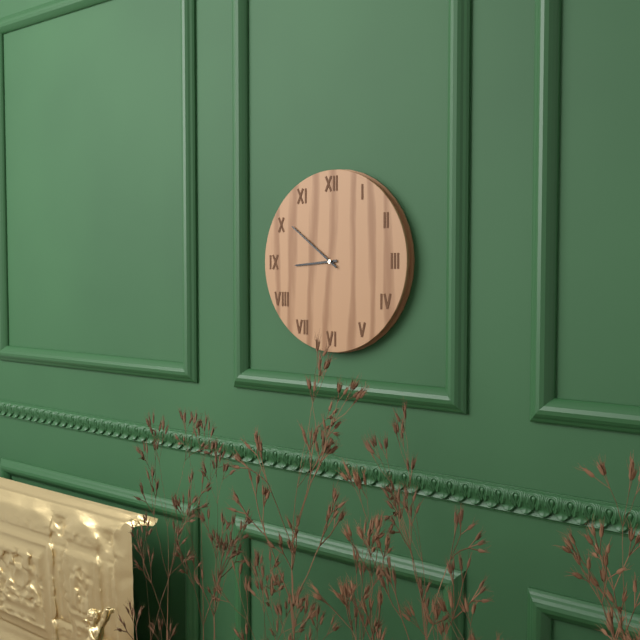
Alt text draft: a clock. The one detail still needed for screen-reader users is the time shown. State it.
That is 8:51
